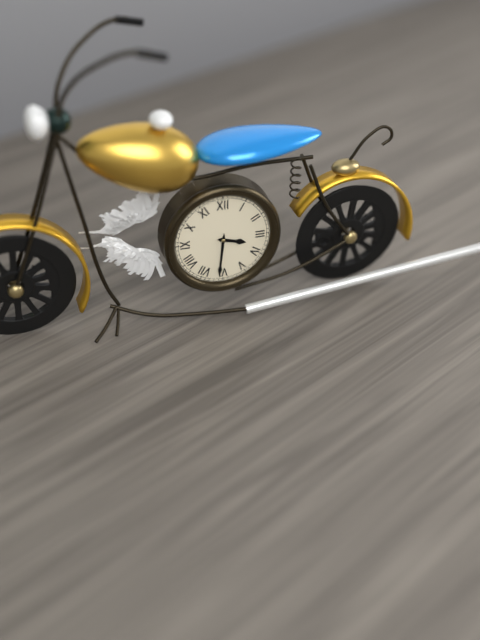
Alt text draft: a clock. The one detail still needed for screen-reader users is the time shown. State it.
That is 3:31
